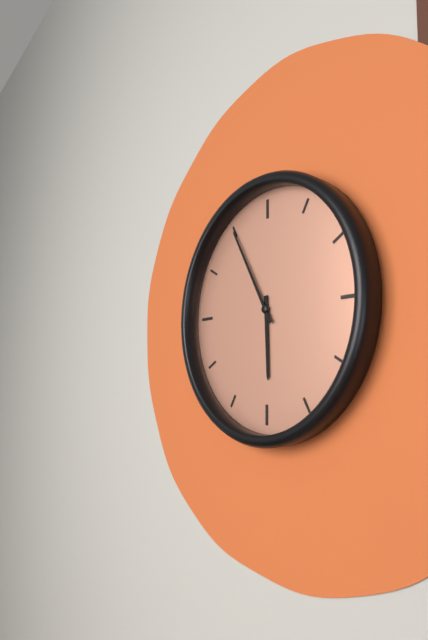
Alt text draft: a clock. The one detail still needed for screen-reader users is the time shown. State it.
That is 5:55
